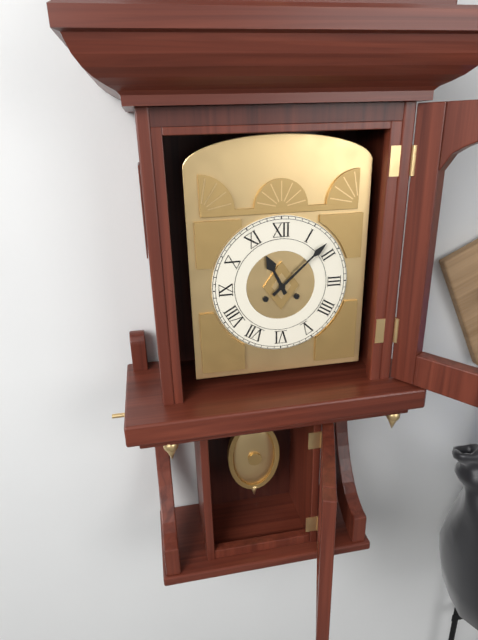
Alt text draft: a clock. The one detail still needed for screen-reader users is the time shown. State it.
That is 11:08
